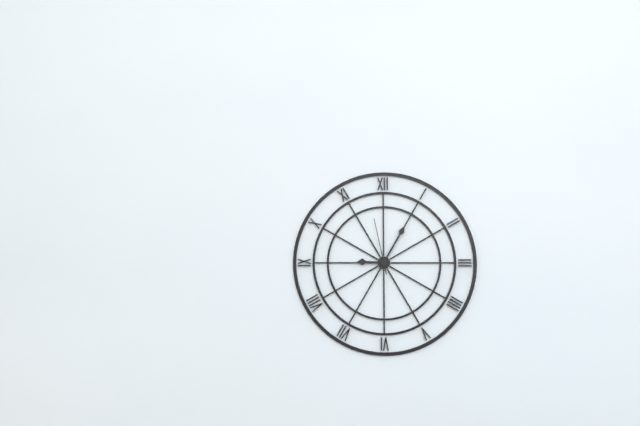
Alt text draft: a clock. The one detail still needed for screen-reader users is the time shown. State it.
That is 9:05:58
